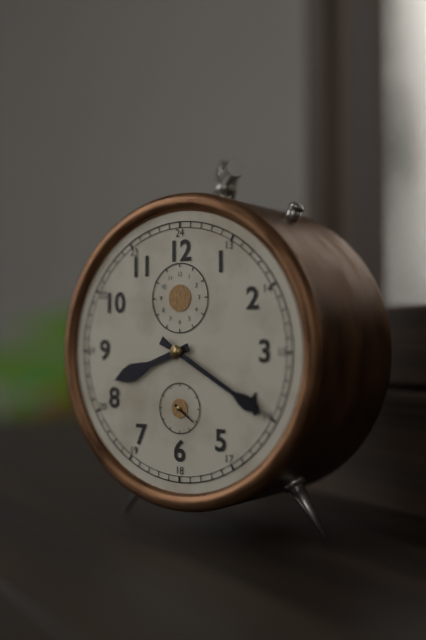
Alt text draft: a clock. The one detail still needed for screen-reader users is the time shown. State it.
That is 8:20
